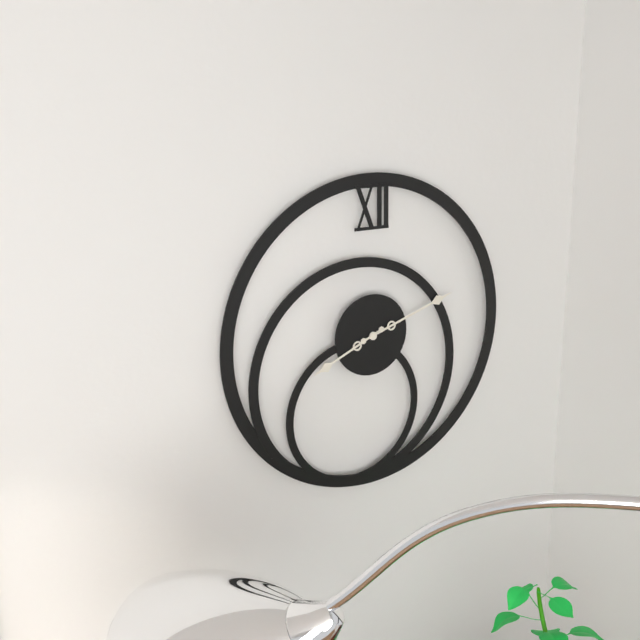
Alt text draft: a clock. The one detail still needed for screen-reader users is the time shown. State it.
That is 8:12
